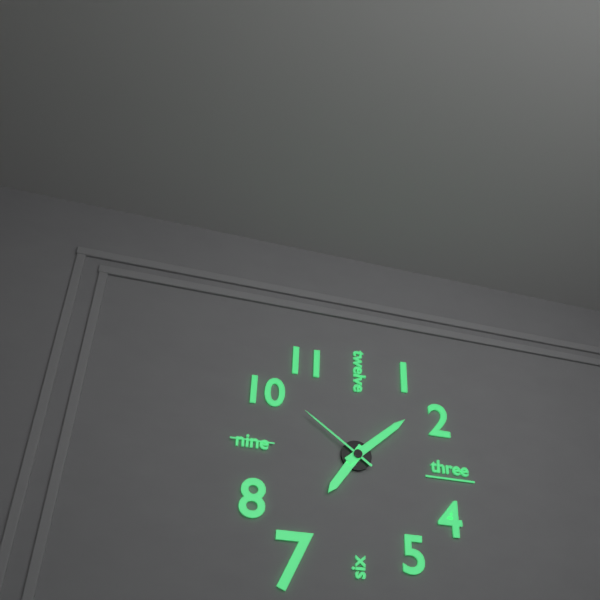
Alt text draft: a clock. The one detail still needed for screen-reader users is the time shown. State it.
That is 7:08:51
